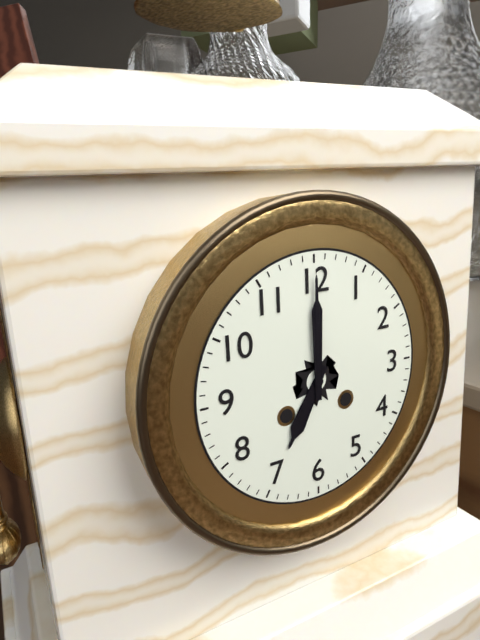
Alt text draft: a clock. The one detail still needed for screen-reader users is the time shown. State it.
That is 7:00
